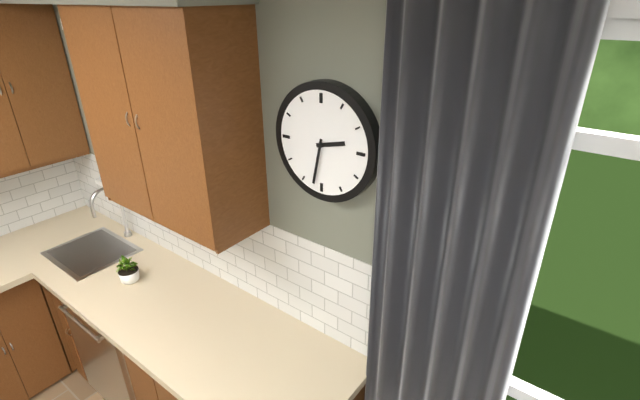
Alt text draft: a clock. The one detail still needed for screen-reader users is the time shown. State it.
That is 2:32
